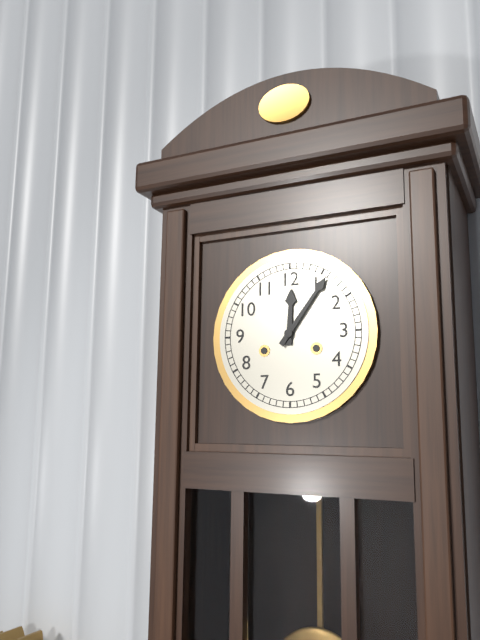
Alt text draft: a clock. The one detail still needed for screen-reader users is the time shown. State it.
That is 12:06
